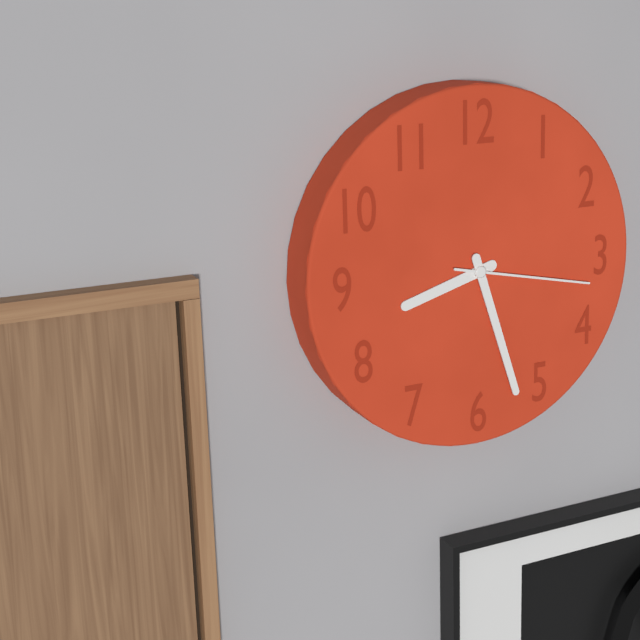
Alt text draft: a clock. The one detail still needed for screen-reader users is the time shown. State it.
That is 8:27:17
